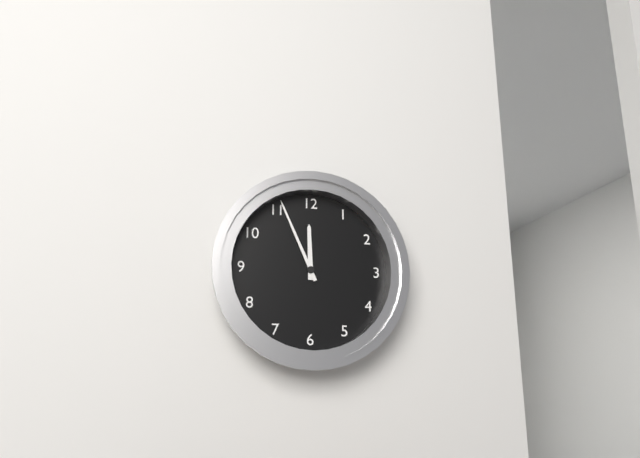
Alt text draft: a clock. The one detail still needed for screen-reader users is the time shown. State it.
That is 11:56
